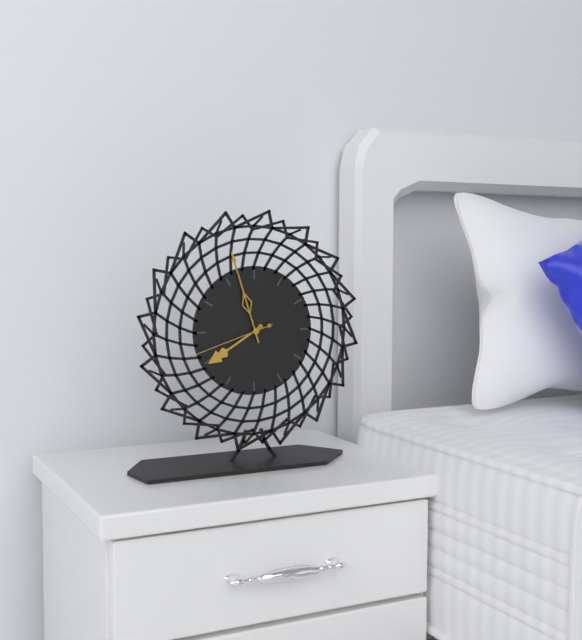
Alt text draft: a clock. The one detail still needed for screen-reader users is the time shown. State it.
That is 7:57:42
